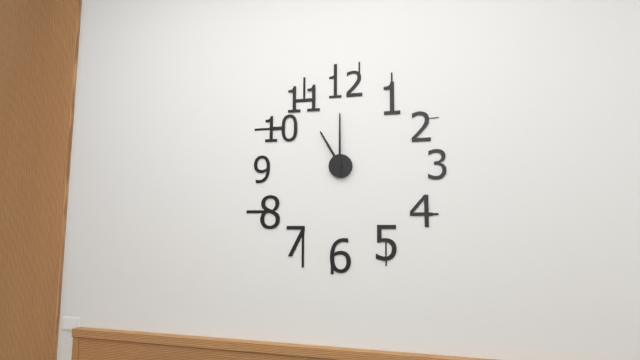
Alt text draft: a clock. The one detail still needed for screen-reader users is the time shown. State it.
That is 11:00
